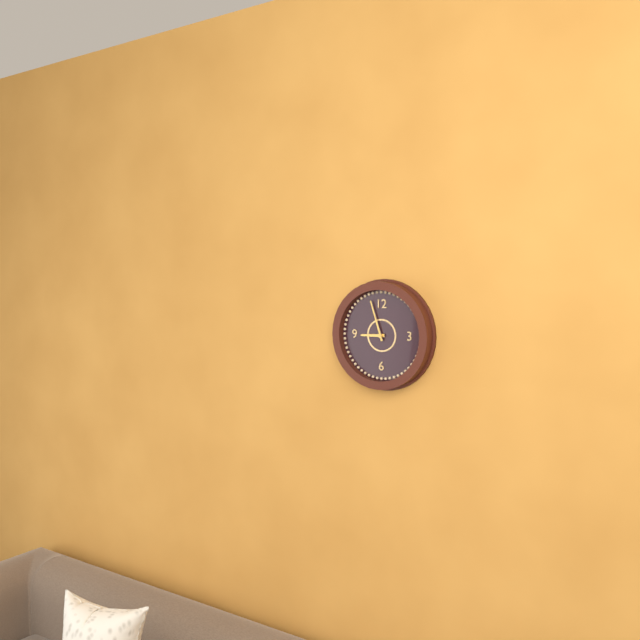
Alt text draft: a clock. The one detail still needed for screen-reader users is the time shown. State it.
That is 8:57
